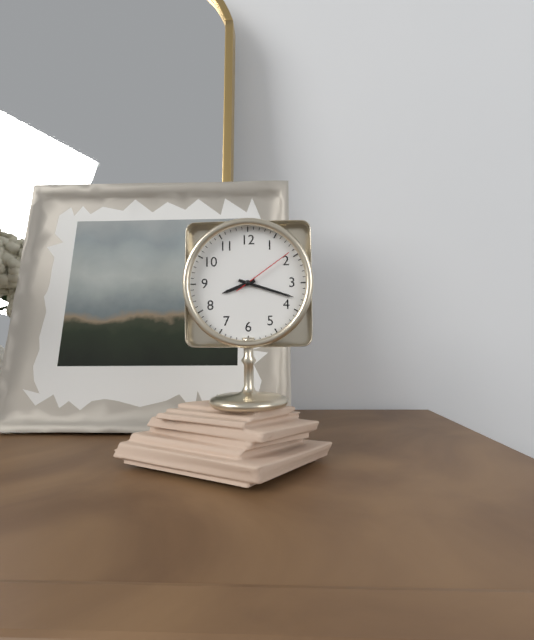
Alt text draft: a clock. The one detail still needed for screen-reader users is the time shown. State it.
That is 8:18:09
